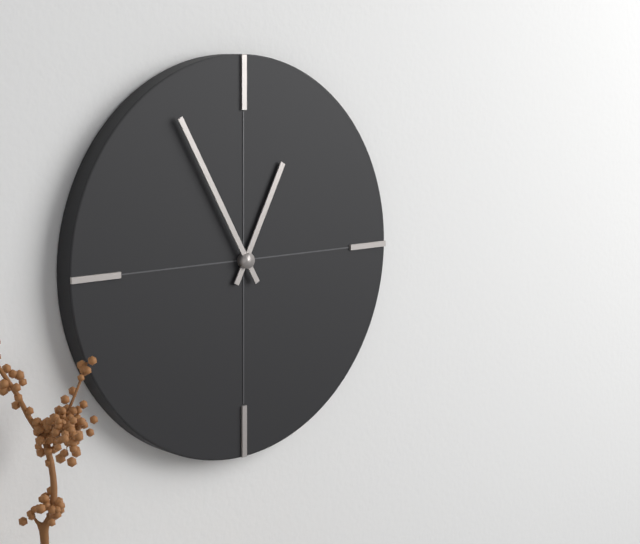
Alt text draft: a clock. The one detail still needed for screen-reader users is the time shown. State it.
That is 12:55
